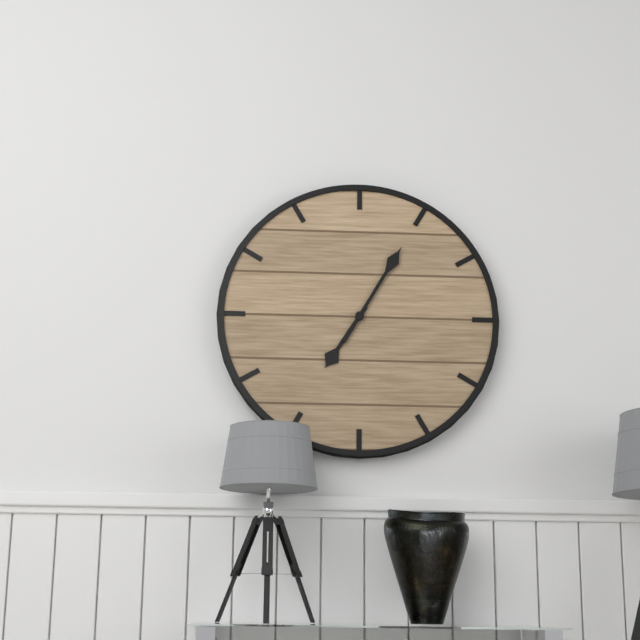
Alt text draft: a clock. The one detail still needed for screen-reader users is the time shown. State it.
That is 7:05
